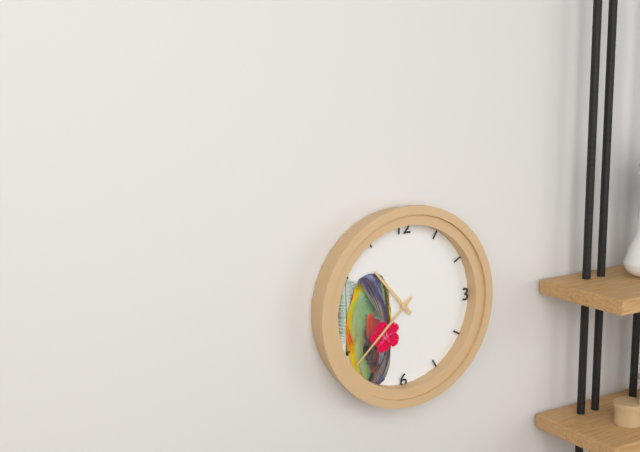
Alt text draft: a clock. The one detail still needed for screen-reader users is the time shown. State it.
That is 10:38
